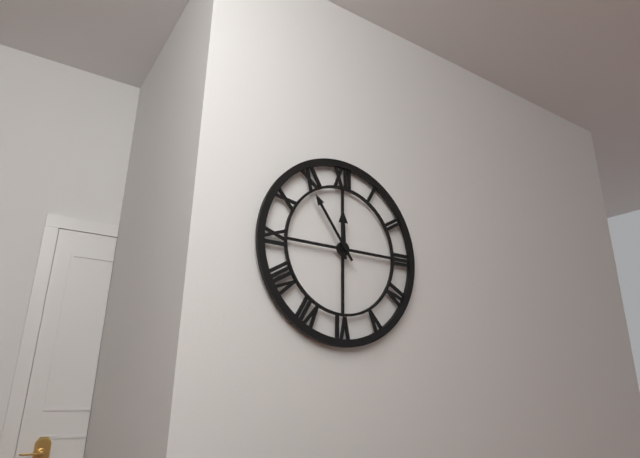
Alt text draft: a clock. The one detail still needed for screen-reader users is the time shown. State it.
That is 11:54
